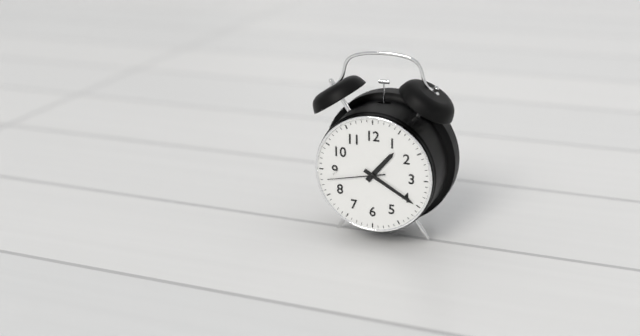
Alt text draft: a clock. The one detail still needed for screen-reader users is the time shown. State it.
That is 1:20:43
